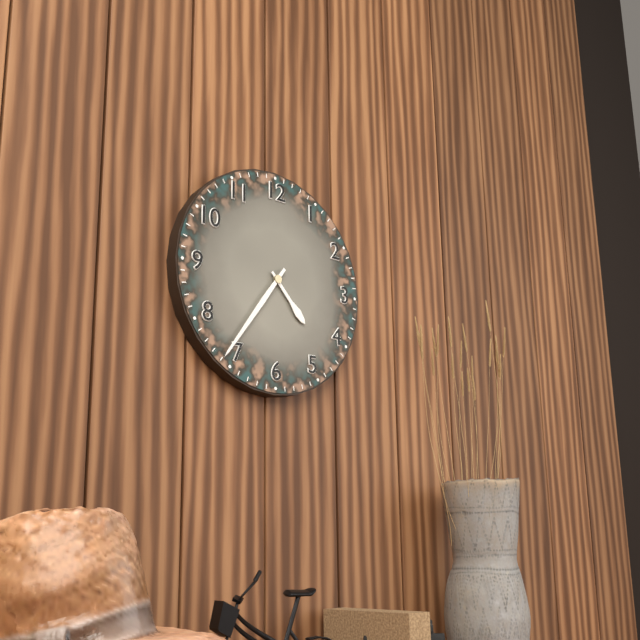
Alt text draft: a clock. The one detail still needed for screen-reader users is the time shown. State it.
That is 4:36
